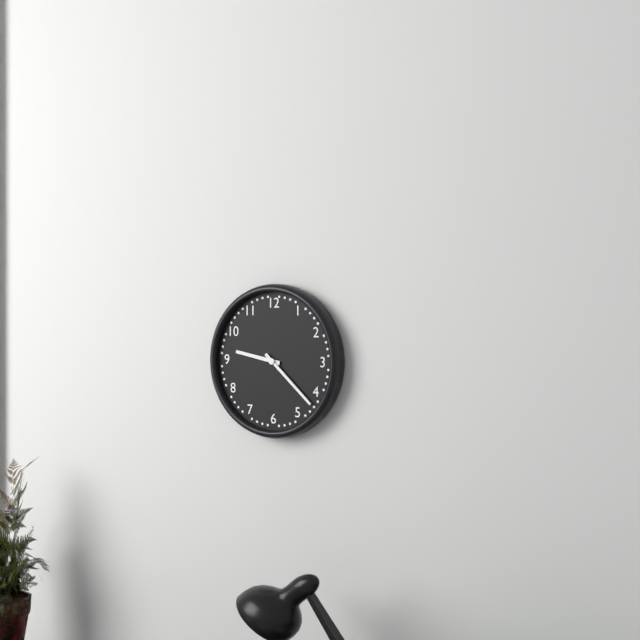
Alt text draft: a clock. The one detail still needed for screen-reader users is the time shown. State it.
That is 9:22
